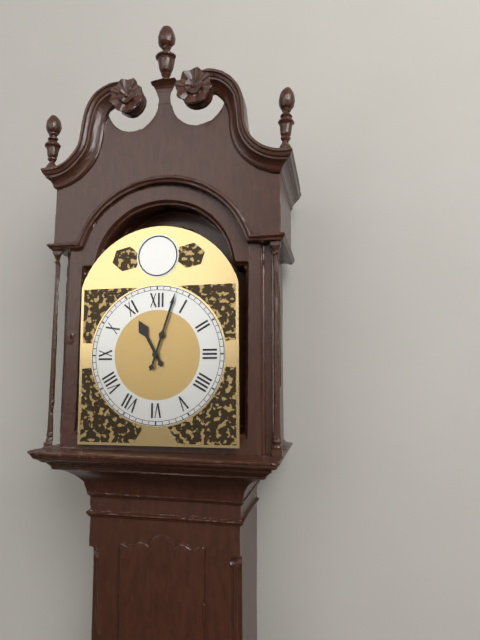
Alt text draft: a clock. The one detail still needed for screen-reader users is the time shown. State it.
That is 11:03
